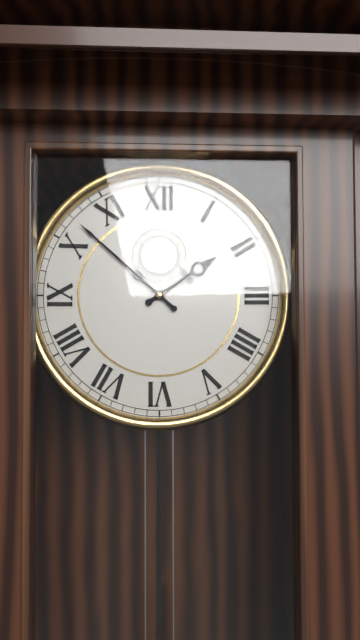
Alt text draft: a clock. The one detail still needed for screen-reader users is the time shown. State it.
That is 1:52
